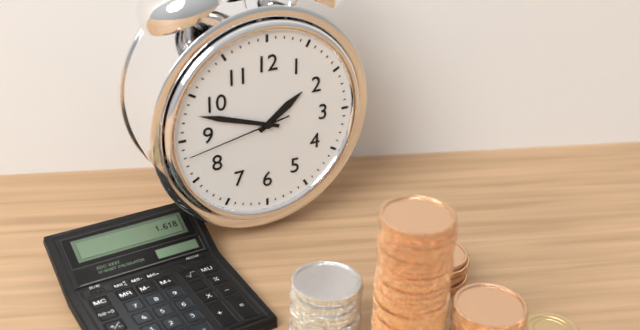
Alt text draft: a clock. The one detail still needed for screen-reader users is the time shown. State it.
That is 1:48:43
